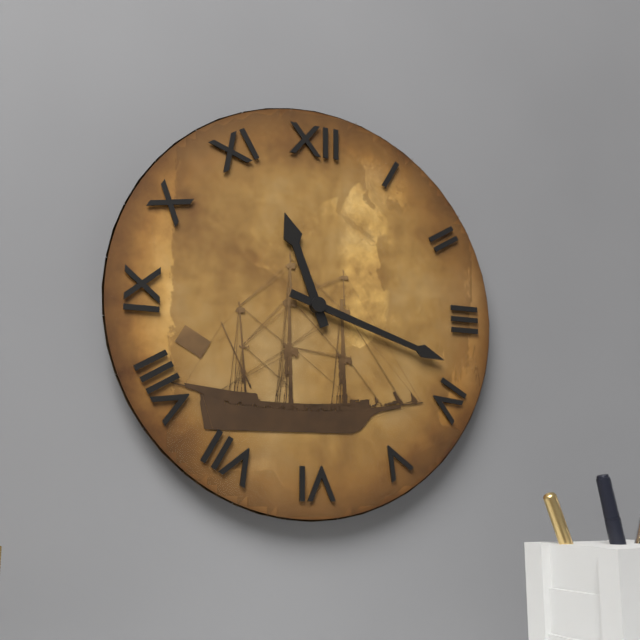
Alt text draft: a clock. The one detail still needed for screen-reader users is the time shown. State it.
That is 11:18
